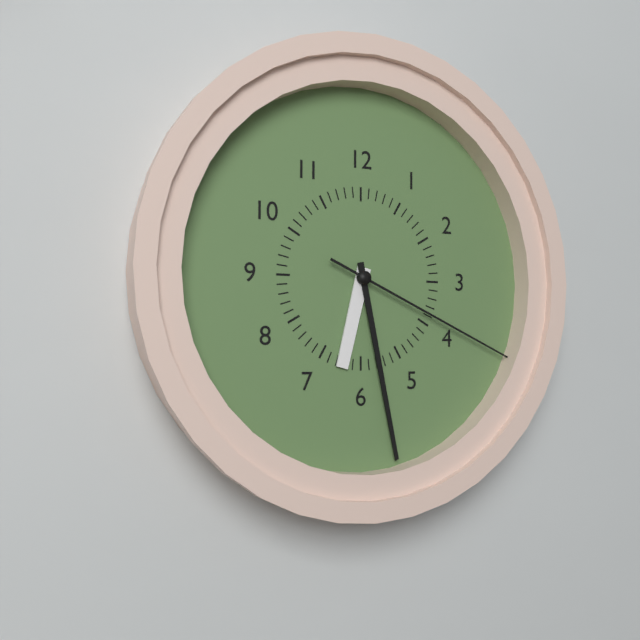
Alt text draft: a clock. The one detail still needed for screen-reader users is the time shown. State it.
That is 6:28:19
